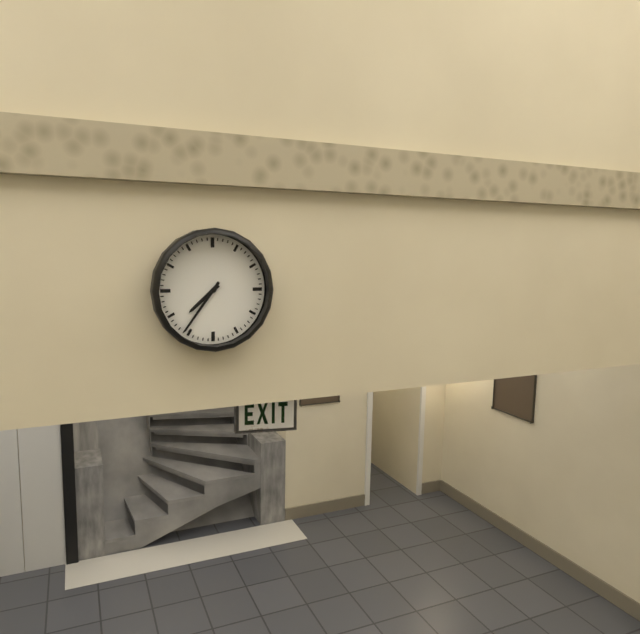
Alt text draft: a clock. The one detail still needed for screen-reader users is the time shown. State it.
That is 7:36
